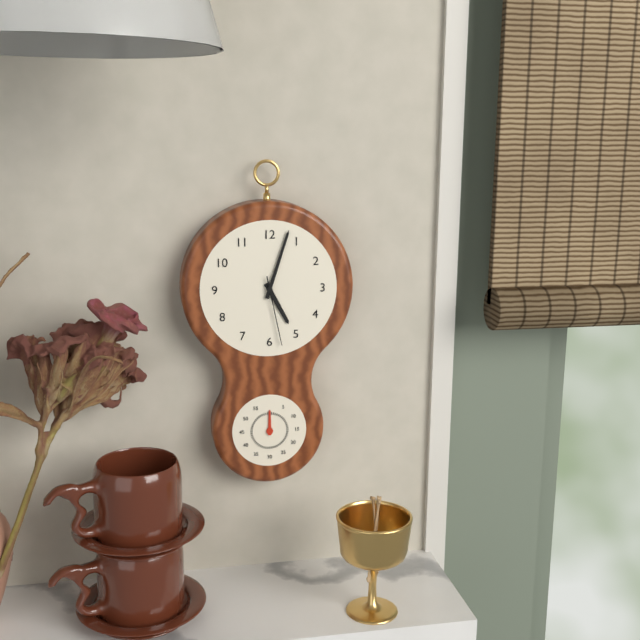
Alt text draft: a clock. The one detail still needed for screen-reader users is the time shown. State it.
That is 5:03:28
